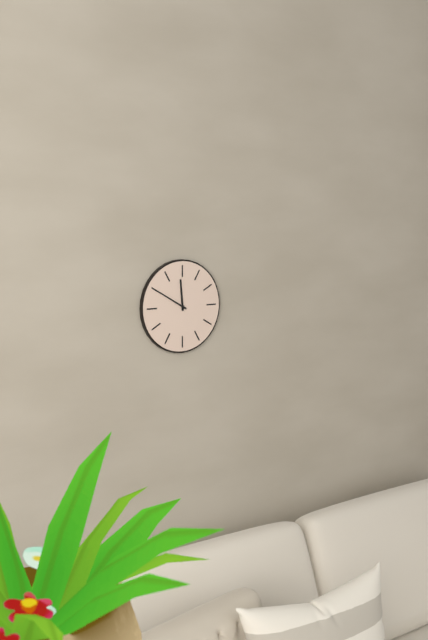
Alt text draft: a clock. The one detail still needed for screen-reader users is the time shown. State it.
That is 11:50
